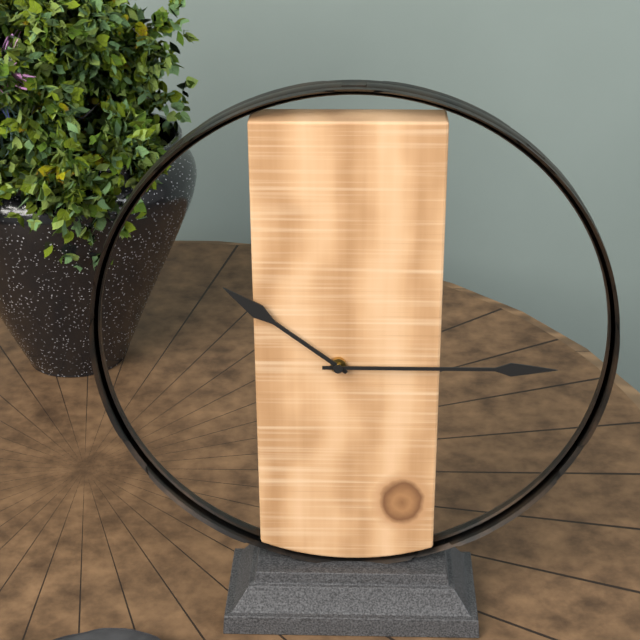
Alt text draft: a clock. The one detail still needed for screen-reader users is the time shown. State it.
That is 10:15
